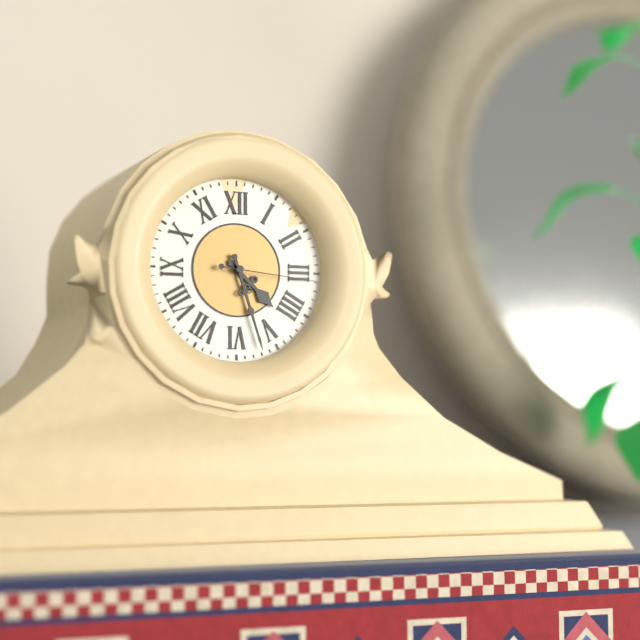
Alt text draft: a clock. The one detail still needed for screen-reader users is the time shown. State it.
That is 4:27:16
